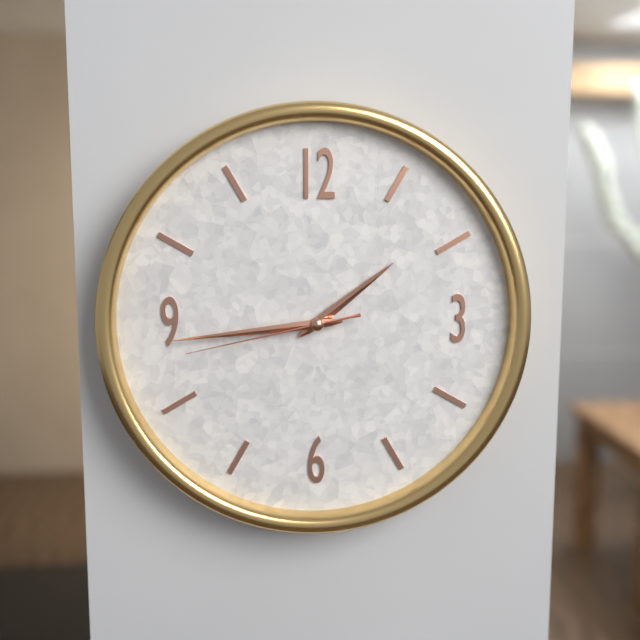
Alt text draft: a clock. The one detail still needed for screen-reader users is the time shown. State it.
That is 1:44:43
